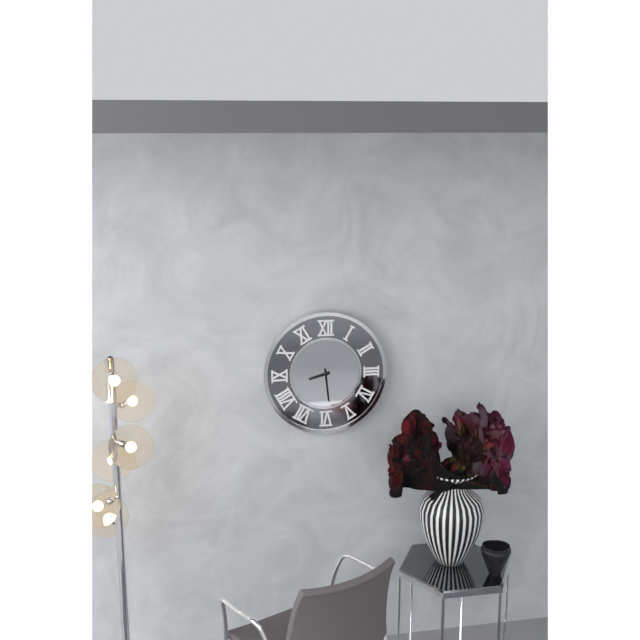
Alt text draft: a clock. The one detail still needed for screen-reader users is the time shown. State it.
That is 8:29
